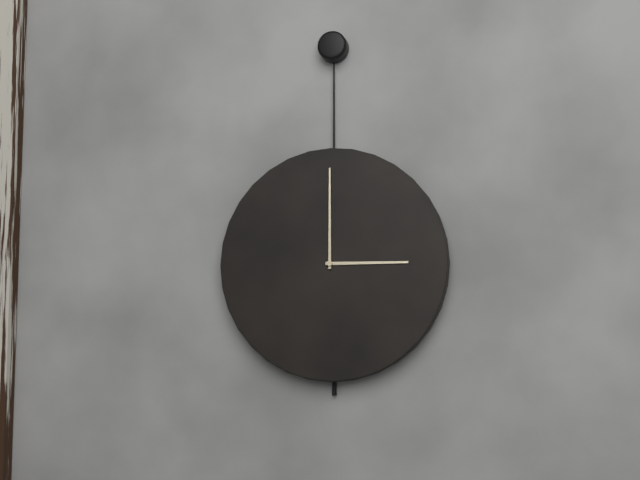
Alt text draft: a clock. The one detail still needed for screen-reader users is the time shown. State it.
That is 3:00
